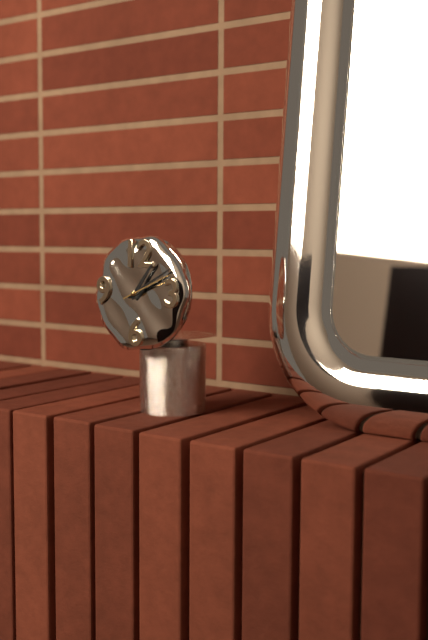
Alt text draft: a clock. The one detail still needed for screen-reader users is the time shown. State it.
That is 1:10:11
